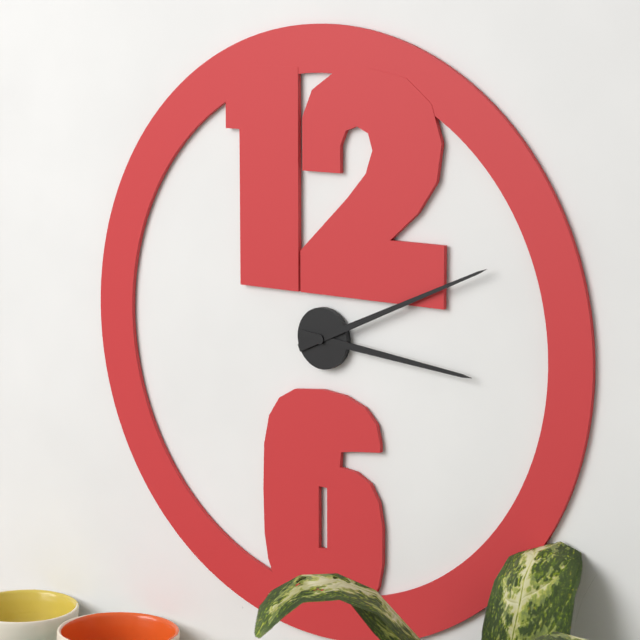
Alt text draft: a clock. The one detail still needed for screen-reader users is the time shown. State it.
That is 3:11
